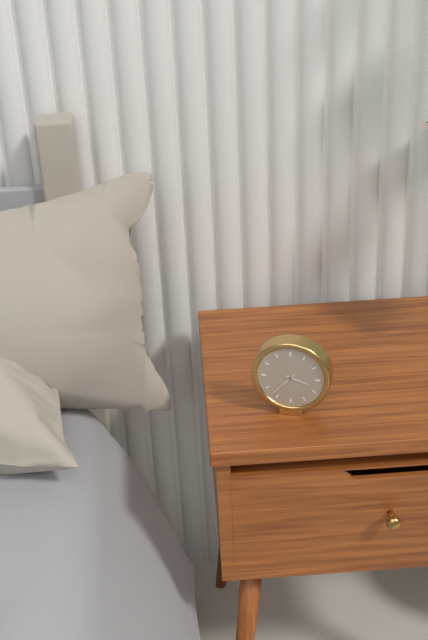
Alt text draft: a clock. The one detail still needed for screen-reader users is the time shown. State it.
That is 3:37
